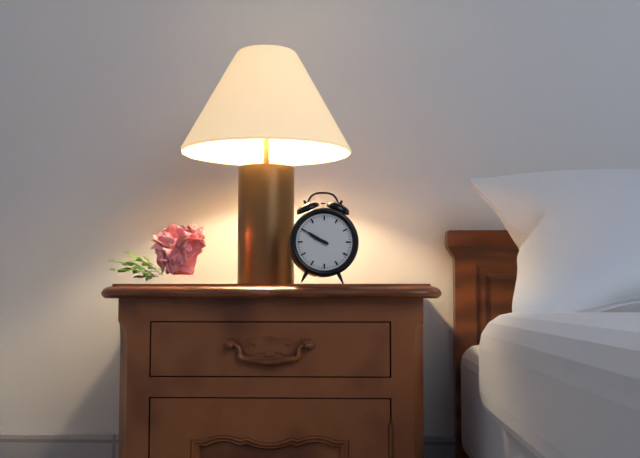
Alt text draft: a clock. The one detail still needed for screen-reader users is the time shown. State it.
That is 9:50
